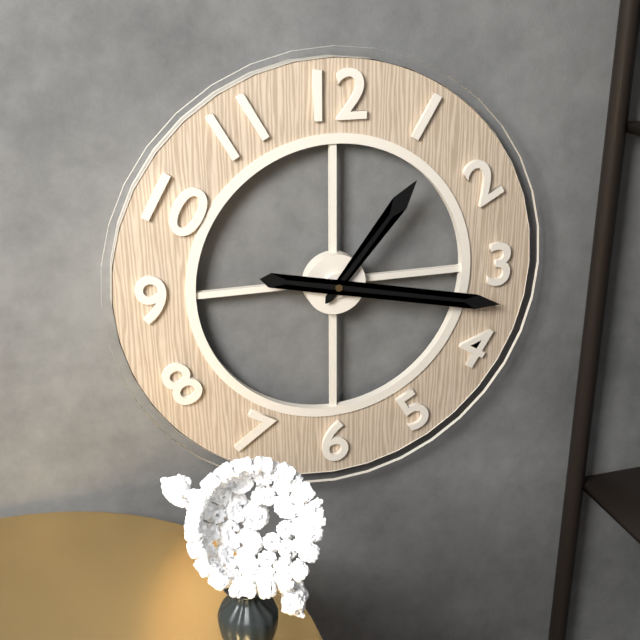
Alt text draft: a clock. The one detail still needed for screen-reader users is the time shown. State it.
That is 1:17
